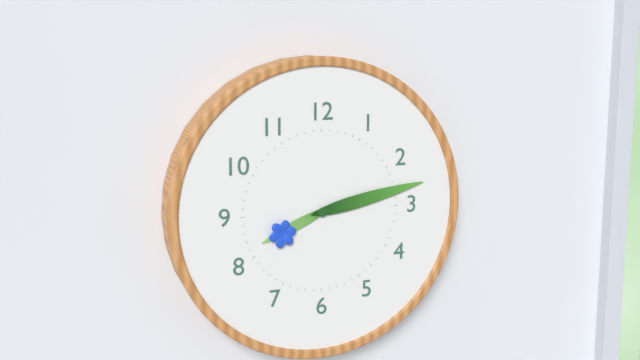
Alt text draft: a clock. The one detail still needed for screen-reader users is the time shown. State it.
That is 8:13
